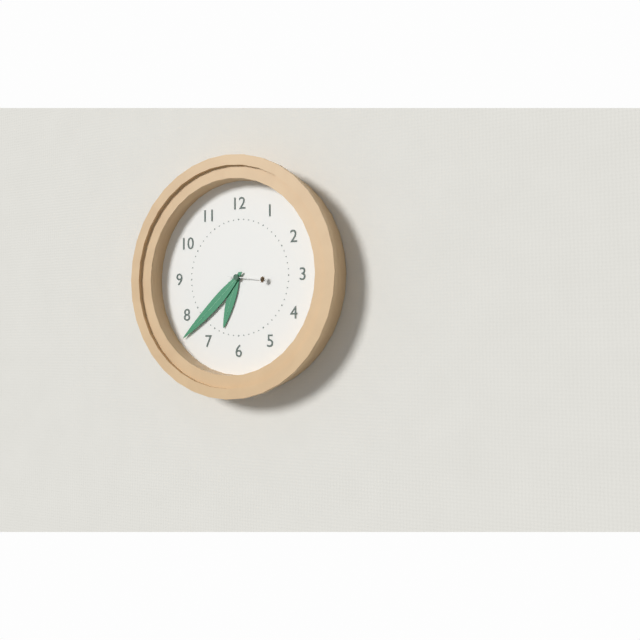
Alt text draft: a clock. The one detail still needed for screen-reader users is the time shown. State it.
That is 6:38
